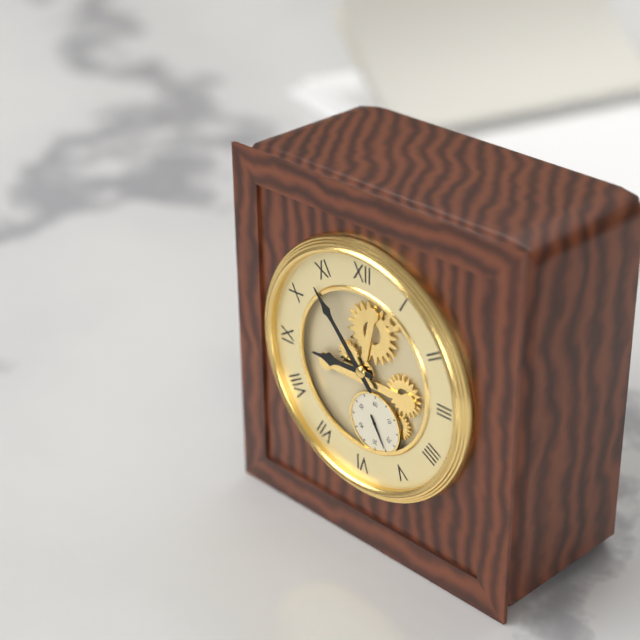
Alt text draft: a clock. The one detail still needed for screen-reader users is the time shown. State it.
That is 8:53
